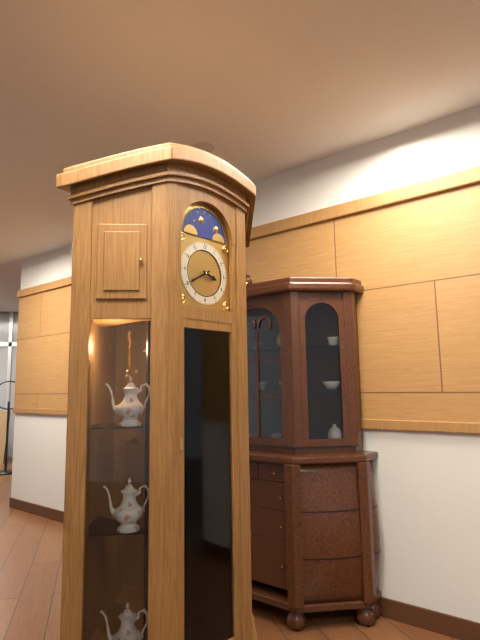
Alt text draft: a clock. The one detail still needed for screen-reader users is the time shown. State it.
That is 3:40
